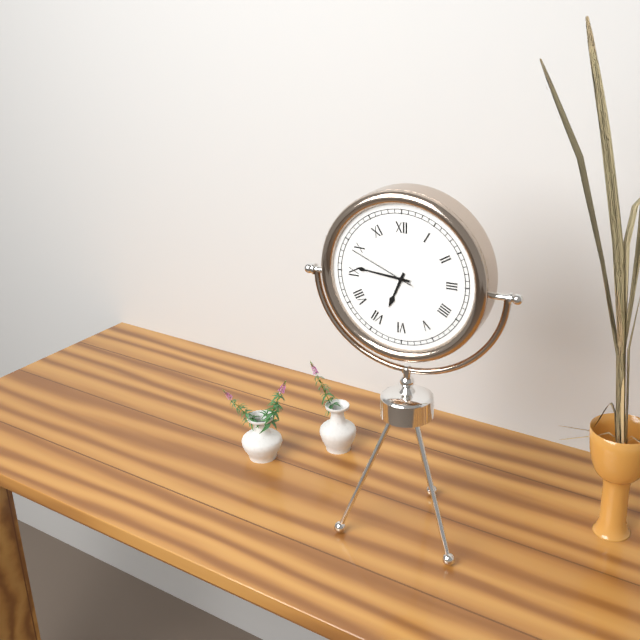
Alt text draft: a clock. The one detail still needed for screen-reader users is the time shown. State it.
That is 6:46:49
